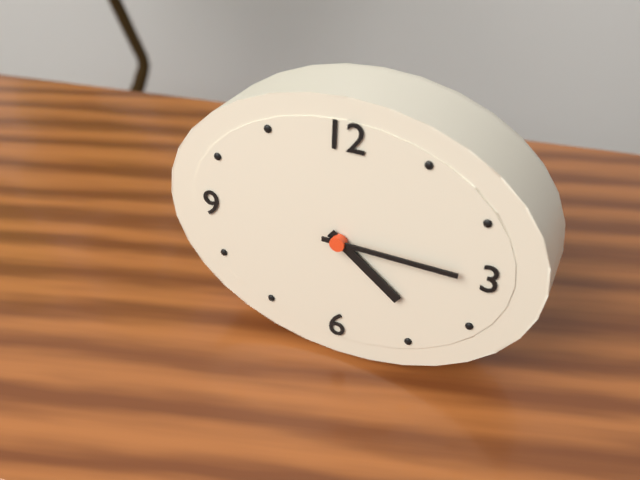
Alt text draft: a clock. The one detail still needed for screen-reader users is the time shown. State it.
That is 4:15
